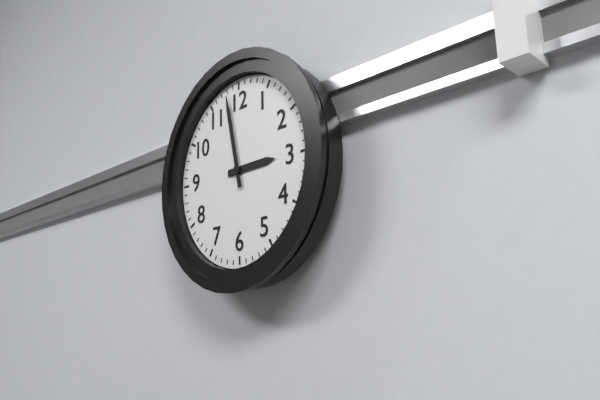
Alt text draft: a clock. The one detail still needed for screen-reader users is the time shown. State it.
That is 2:58
